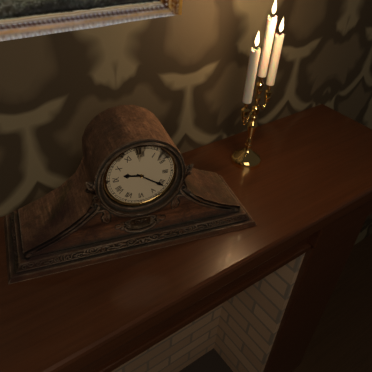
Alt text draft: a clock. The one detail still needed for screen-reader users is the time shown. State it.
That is 9:21
